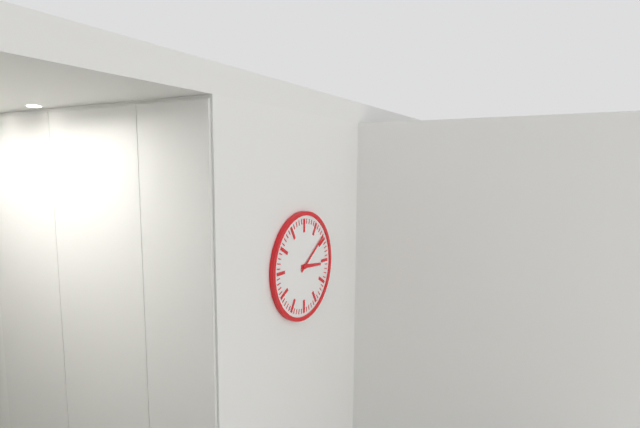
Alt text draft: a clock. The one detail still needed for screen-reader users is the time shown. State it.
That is 3:09
